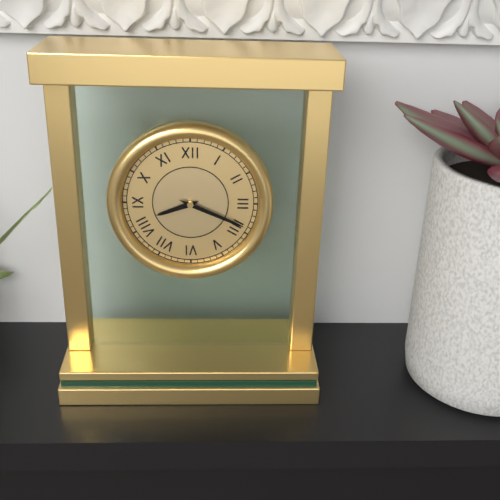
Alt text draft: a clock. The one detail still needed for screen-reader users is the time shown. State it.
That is 8:19
